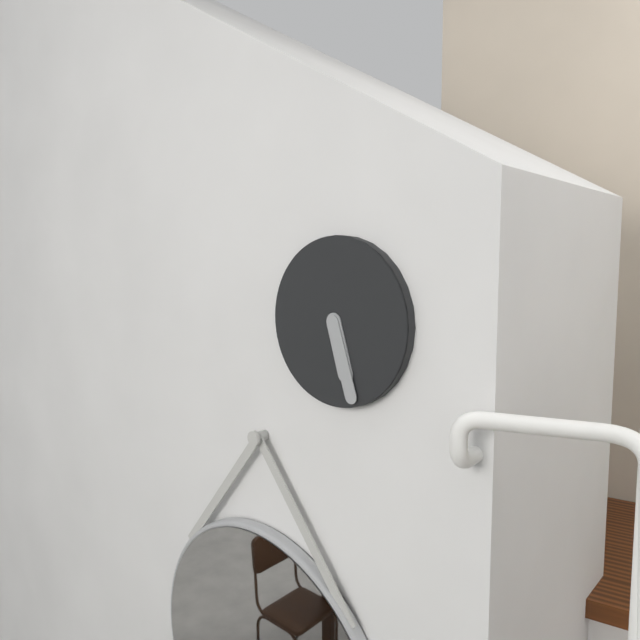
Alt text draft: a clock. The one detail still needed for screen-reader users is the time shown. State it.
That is 5:27
